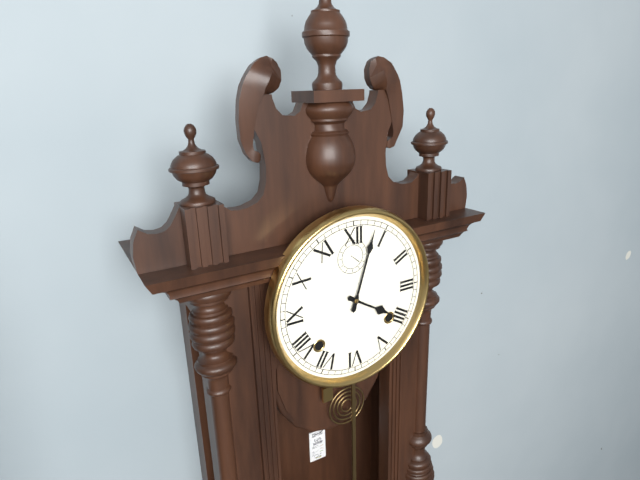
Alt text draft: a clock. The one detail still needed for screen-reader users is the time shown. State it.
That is 4:03
